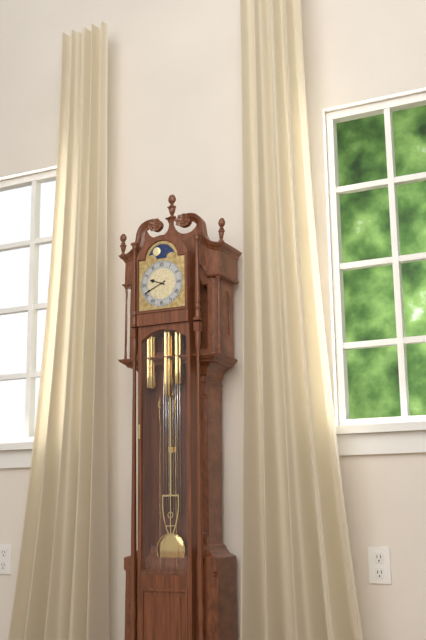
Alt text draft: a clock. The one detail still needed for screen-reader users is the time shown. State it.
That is 9:41
